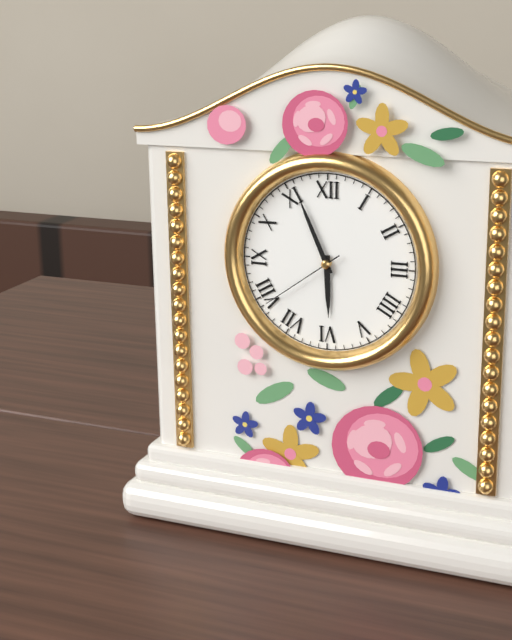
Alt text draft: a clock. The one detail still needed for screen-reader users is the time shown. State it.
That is 5:56:39
